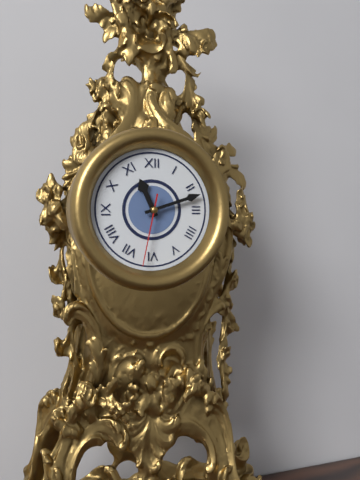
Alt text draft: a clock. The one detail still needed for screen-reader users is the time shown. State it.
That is 11:12:32
